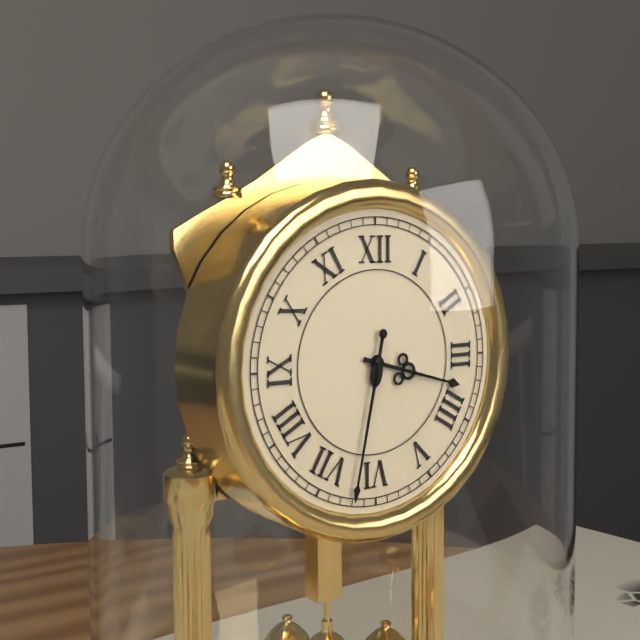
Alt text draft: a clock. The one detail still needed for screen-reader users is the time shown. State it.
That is 3:32
